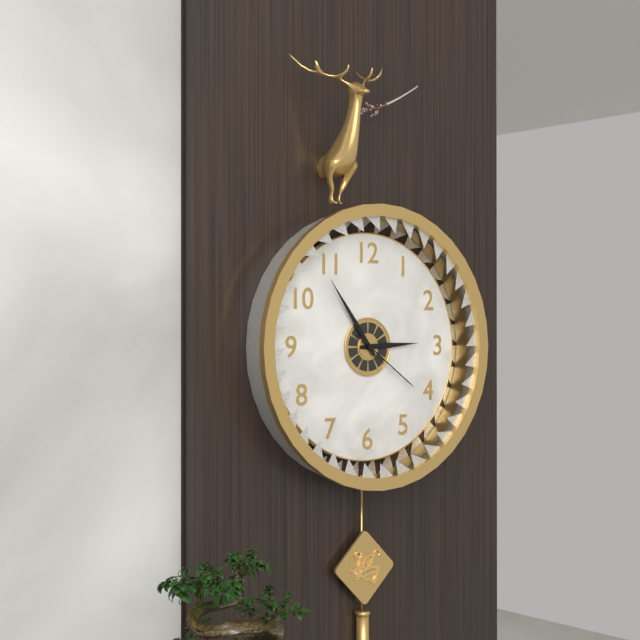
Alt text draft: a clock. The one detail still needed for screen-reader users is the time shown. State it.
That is 2:54:21
